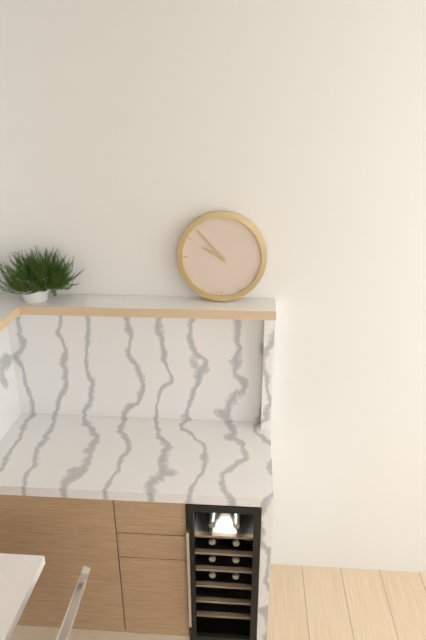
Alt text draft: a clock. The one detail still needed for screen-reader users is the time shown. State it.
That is 9:53
